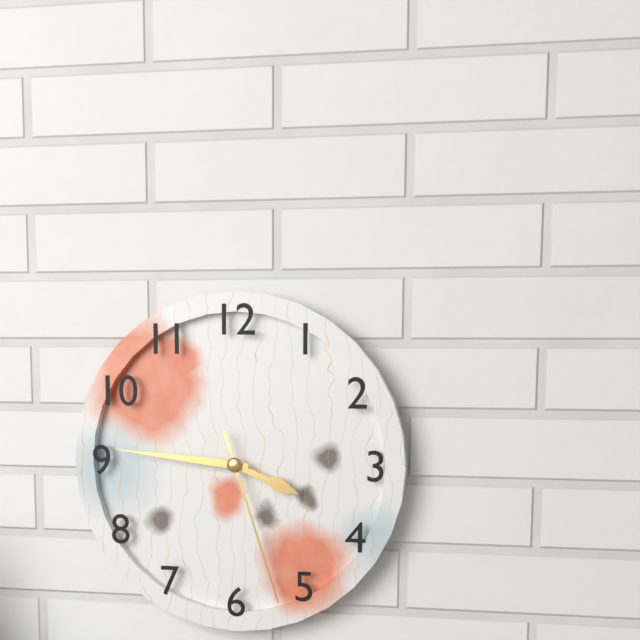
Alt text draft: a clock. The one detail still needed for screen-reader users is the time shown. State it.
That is 3:46:27
